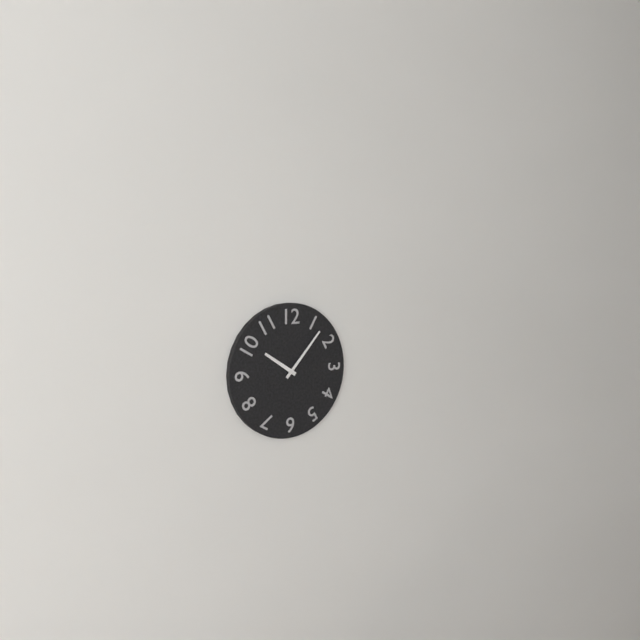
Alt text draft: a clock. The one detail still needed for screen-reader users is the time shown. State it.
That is 10:07
